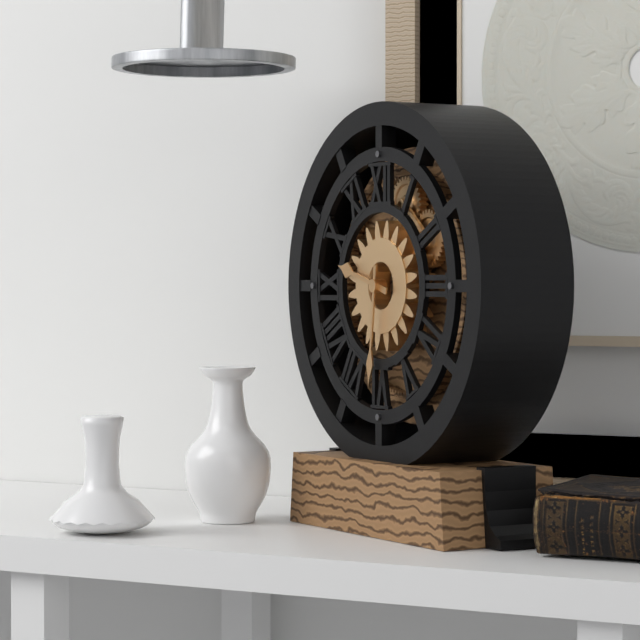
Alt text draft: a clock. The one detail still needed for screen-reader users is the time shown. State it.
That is 9:31
